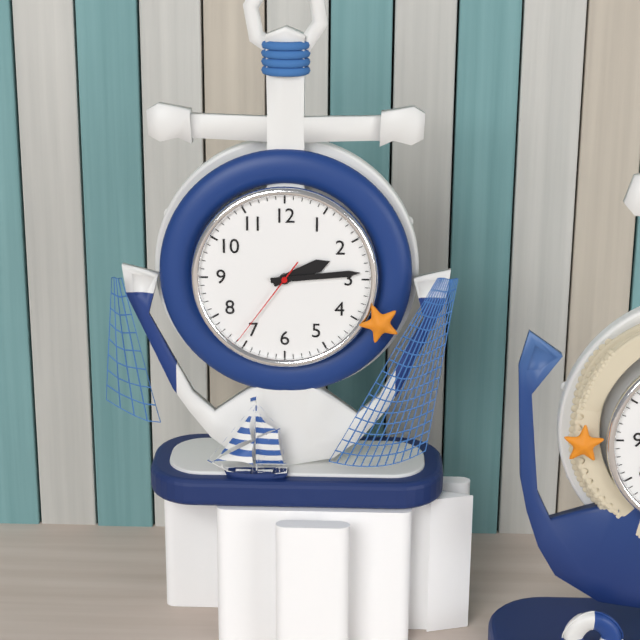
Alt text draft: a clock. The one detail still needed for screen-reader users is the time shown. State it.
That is 2:14:36
